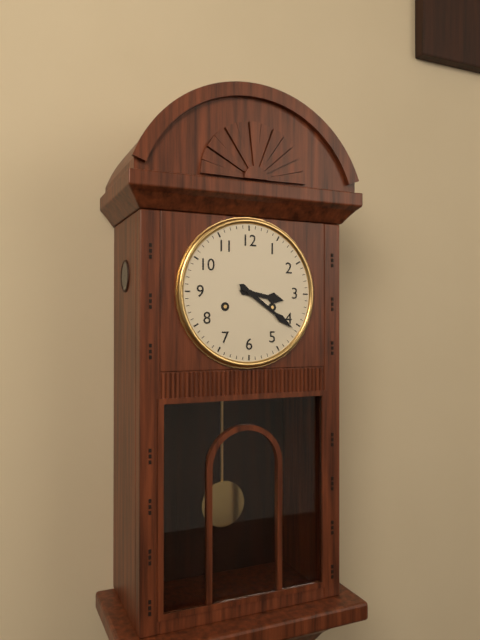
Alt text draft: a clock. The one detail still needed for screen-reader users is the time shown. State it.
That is 3:21
